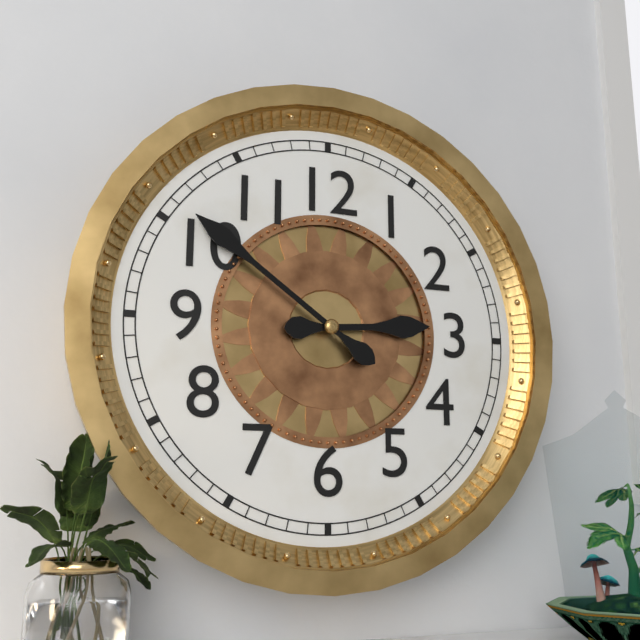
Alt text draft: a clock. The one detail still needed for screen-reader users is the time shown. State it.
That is 2:51
